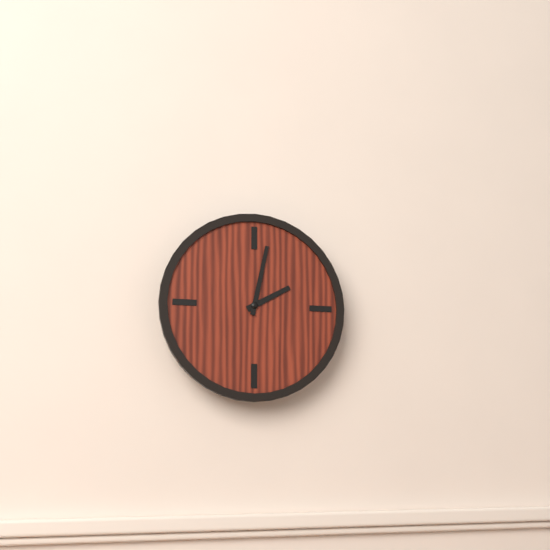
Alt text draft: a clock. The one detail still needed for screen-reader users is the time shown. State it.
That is 2:02
